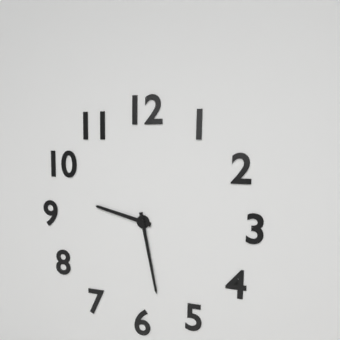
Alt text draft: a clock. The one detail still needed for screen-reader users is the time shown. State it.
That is 9:28
